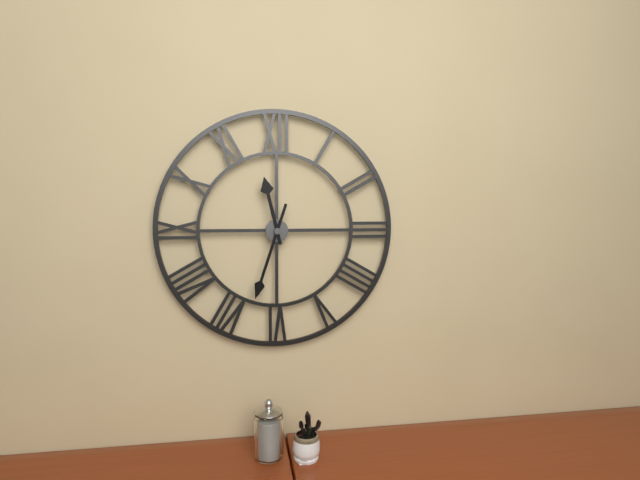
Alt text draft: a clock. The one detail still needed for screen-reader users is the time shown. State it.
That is 11:33
